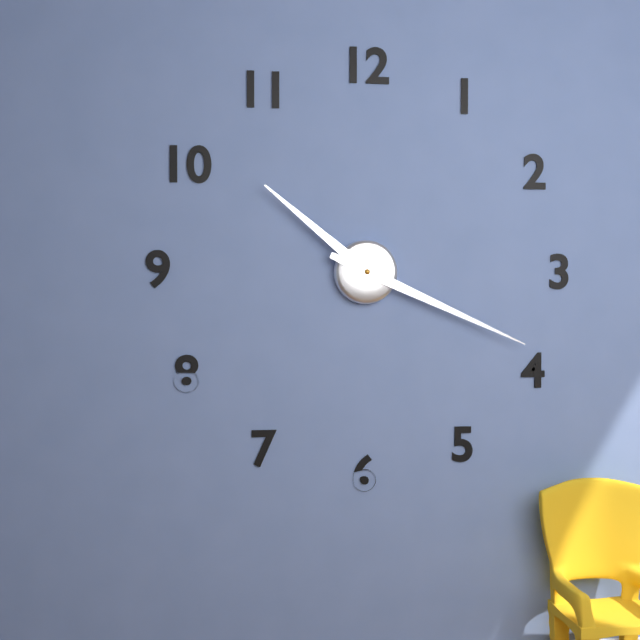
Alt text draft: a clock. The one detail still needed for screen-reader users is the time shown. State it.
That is 10:19
